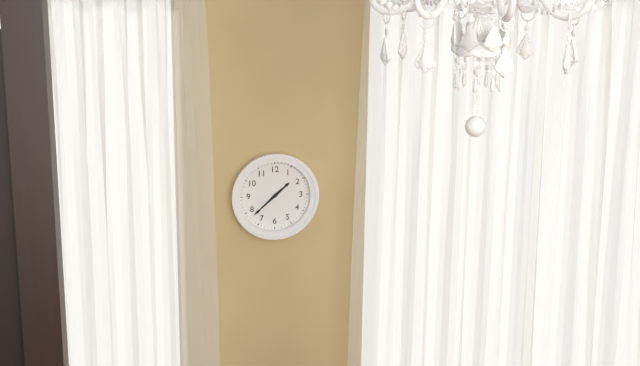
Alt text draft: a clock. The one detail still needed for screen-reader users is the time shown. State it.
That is 1:38
